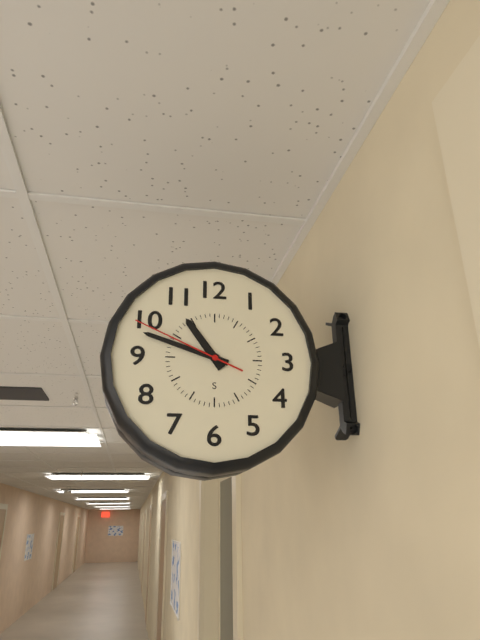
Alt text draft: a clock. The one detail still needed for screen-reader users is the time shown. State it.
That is 10:48:49
